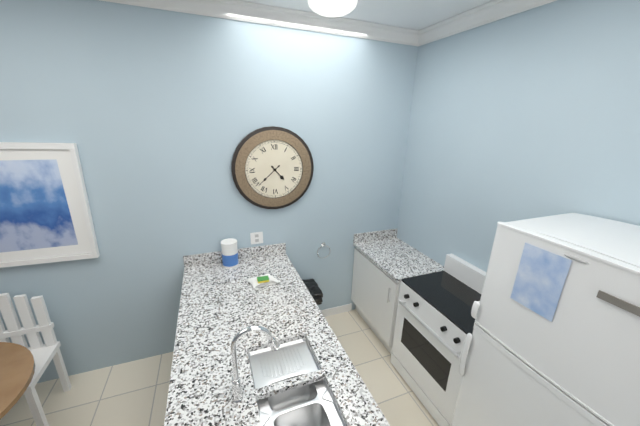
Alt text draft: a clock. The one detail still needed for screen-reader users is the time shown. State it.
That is 4:38
